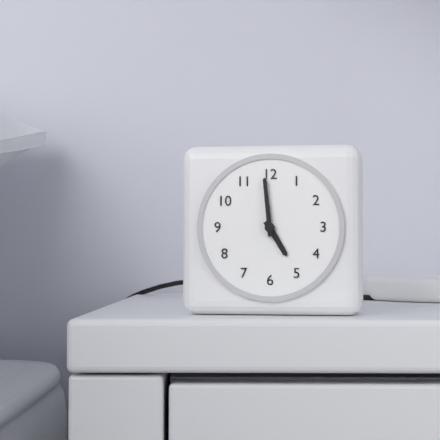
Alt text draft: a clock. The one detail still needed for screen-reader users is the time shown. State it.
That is 4:59
